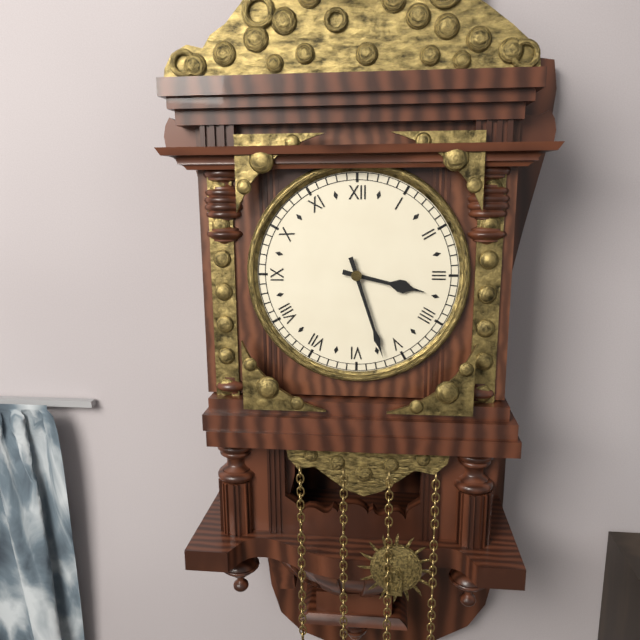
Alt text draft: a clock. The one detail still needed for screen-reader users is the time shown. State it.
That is 3:27
